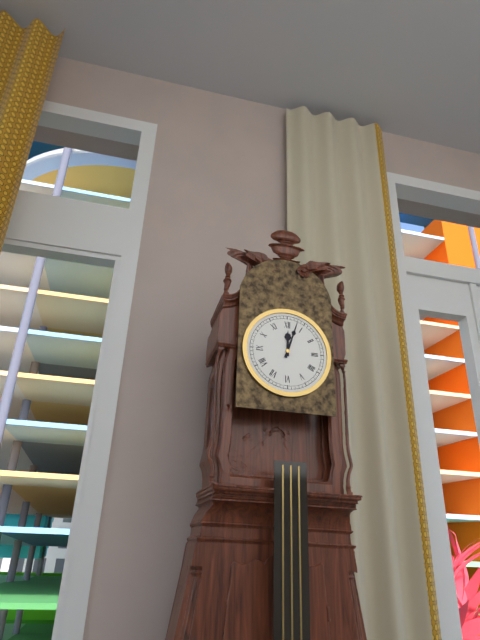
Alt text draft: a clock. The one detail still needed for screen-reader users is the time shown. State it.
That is 12:03
